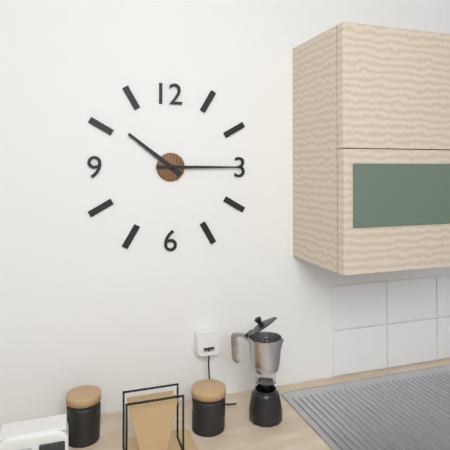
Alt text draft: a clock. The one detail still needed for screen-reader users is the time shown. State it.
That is 10:15
